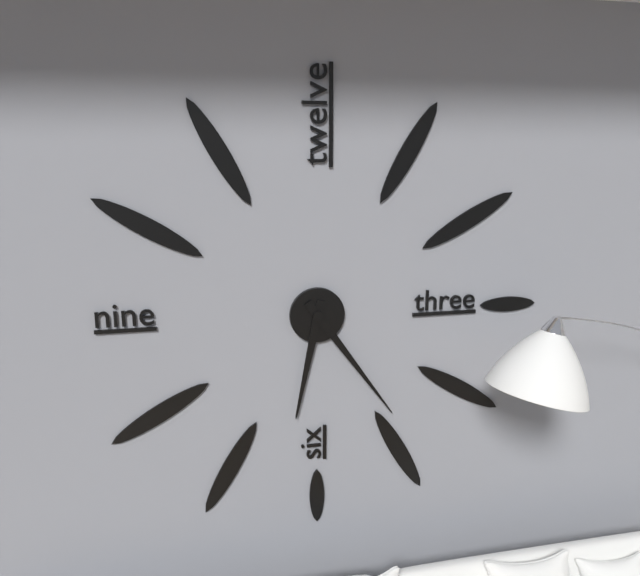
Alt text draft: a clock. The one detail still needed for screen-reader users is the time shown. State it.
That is 6:24
